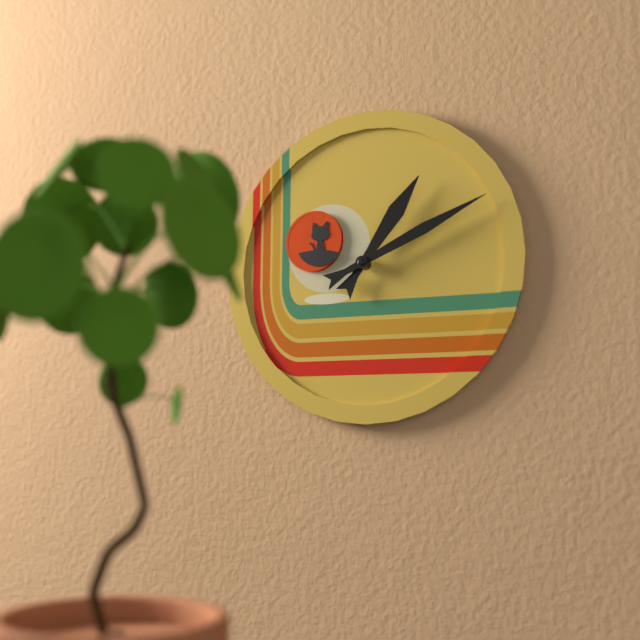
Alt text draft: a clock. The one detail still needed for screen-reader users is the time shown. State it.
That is 1:11
